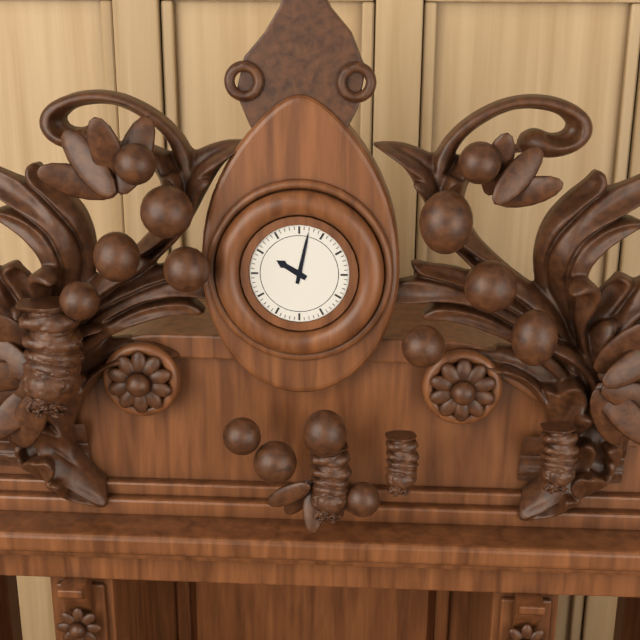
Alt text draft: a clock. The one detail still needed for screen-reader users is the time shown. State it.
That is 10:02
